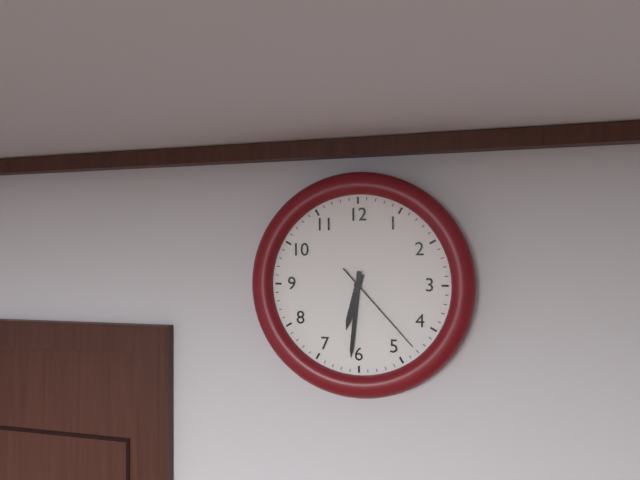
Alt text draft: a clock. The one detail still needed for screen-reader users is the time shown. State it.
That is 6:31:23
